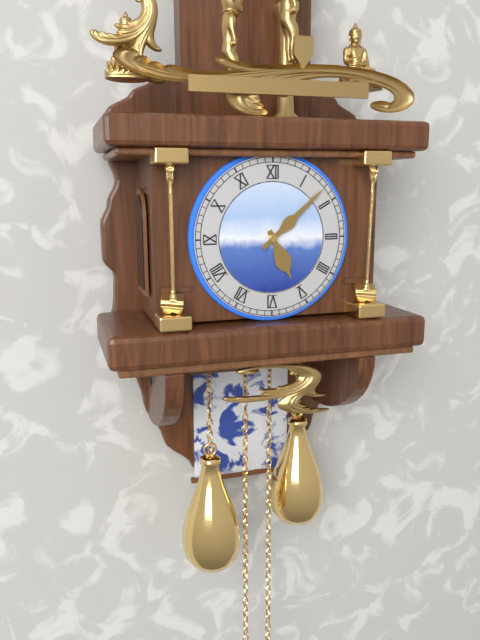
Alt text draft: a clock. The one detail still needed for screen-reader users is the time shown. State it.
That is 5:08
